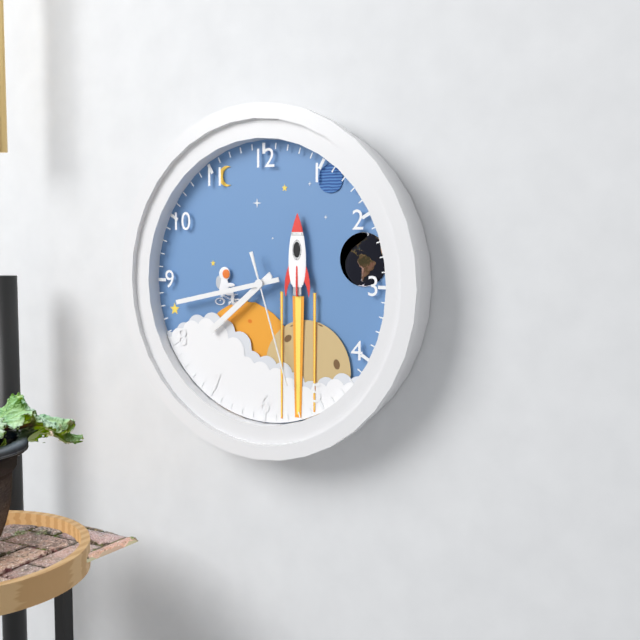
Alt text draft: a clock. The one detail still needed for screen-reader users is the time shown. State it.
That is 7:43:27
